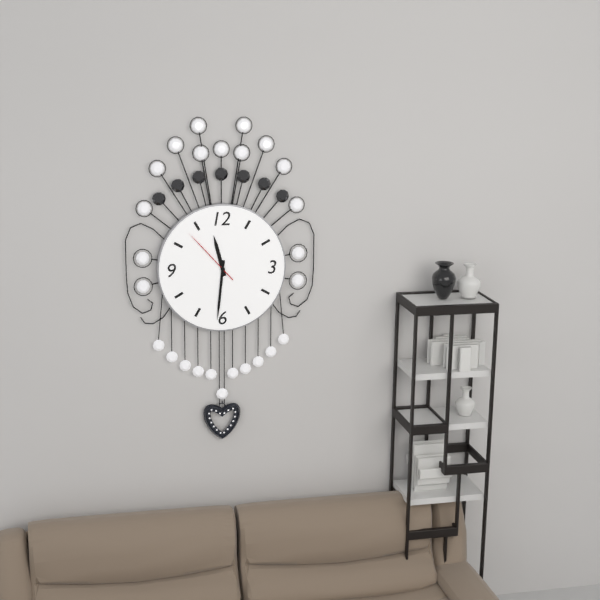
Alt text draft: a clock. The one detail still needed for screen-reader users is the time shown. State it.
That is 11:31:53
